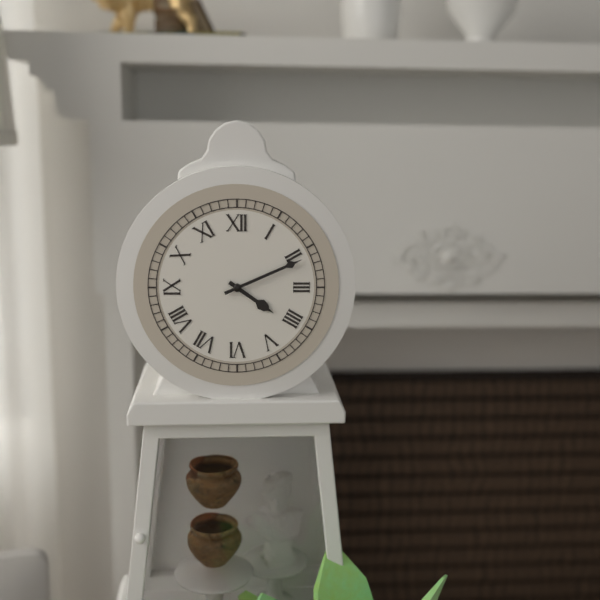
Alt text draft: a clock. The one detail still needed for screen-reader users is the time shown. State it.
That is 4:11
